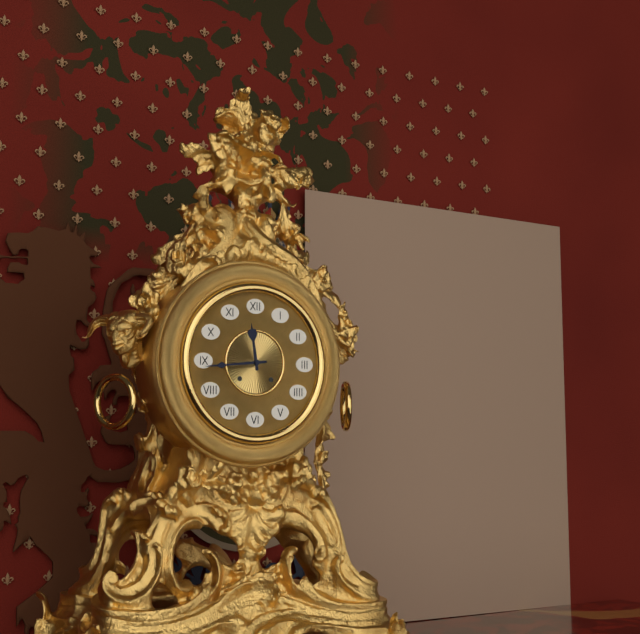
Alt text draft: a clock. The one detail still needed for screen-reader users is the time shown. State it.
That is 11:44
